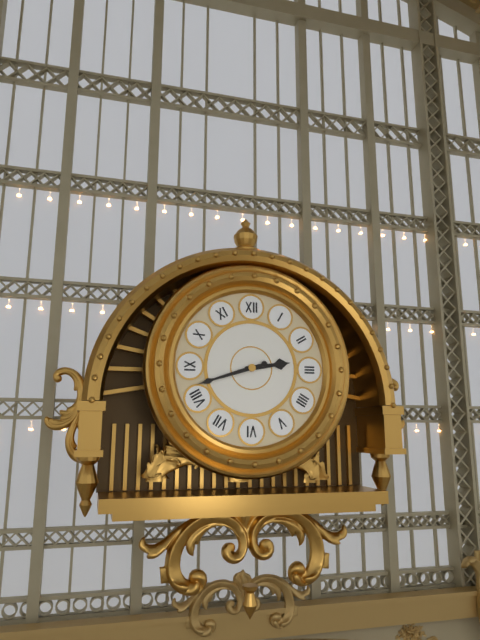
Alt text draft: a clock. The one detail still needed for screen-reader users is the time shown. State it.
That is 2:42
